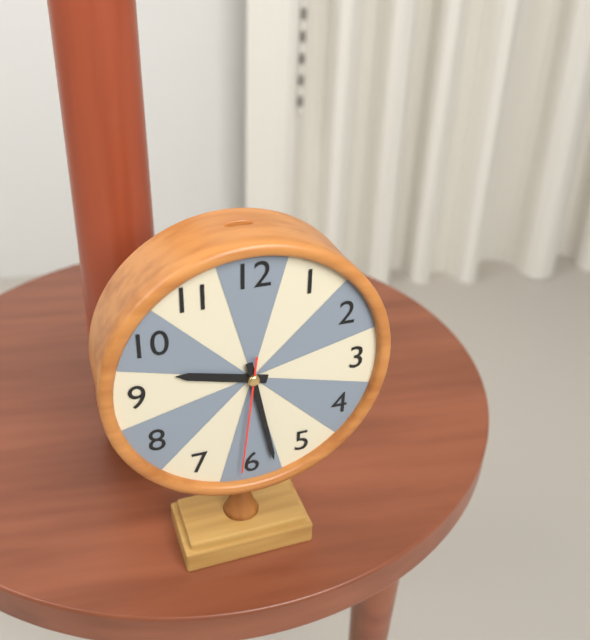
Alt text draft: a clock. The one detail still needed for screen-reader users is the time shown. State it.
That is 9:28:31
